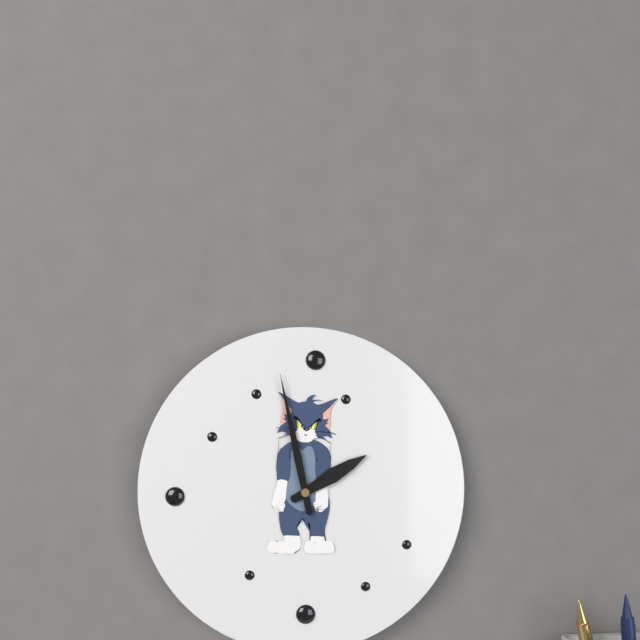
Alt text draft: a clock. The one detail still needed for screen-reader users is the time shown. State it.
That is 1:58
